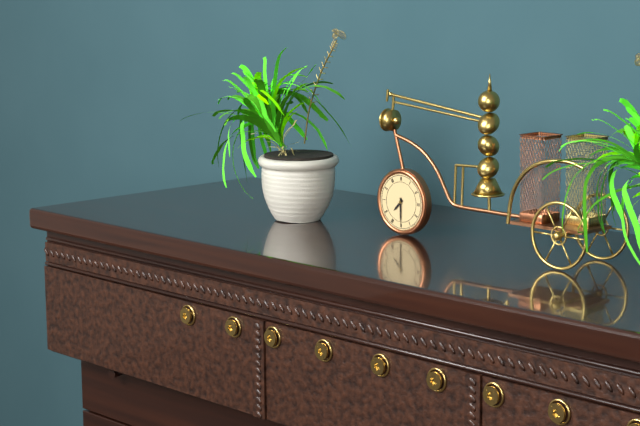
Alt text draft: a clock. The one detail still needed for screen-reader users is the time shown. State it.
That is 7:30
